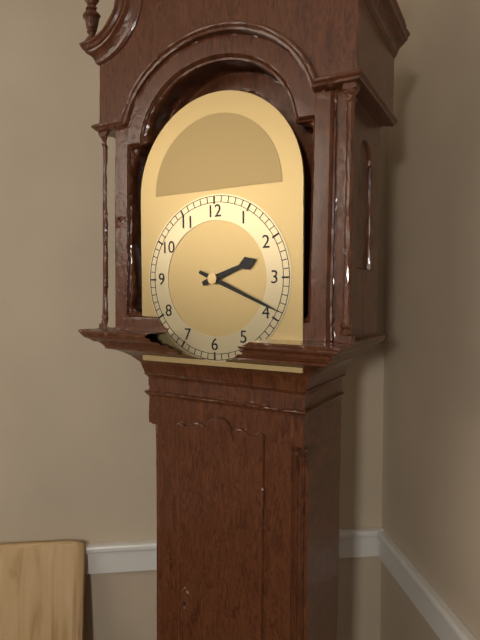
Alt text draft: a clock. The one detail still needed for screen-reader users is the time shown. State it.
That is 2:19
